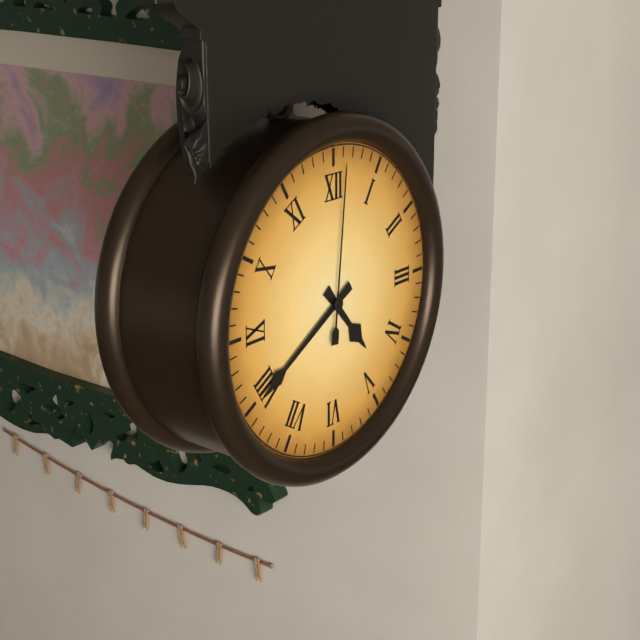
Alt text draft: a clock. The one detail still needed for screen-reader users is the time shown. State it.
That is 4:40:01
